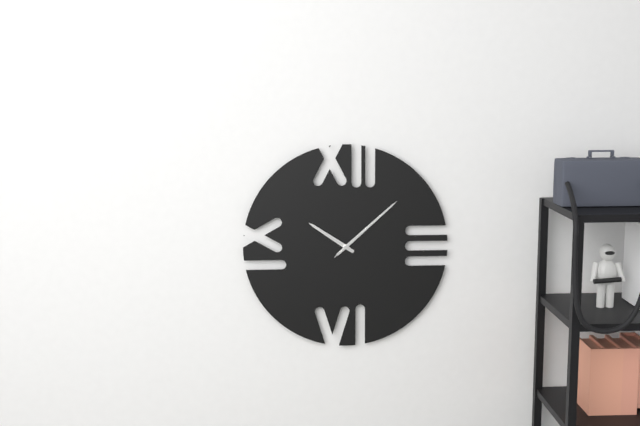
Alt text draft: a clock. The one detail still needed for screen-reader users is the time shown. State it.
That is 10:08:08
